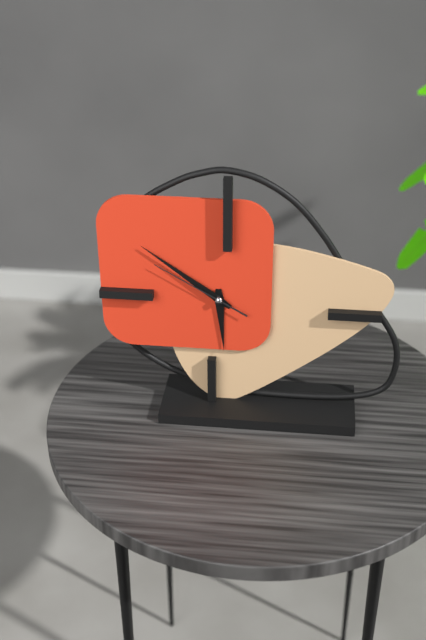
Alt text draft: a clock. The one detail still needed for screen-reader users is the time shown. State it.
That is 5:51:50
